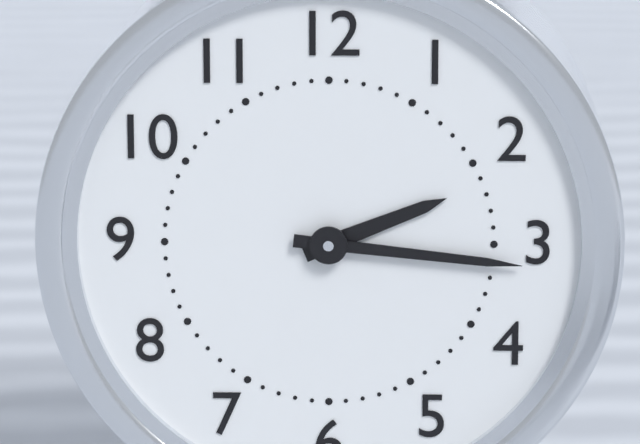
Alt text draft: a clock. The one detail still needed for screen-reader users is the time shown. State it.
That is 2:16
